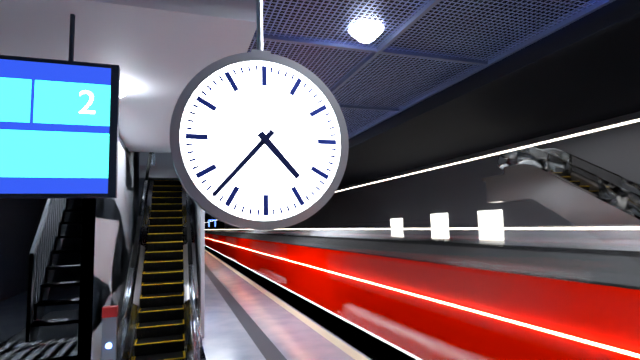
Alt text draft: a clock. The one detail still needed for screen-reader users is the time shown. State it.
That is 4:37
